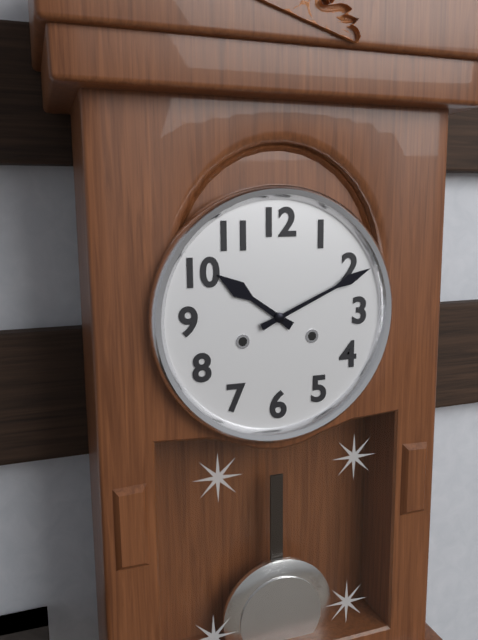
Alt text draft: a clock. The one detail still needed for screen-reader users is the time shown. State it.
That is 10:11
